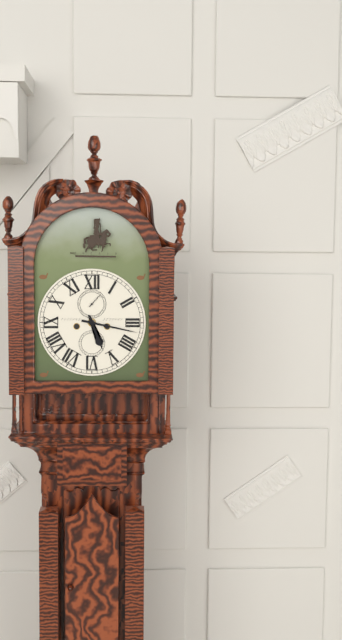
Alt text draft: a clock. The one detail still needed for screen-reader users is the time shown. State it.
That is 5:17
